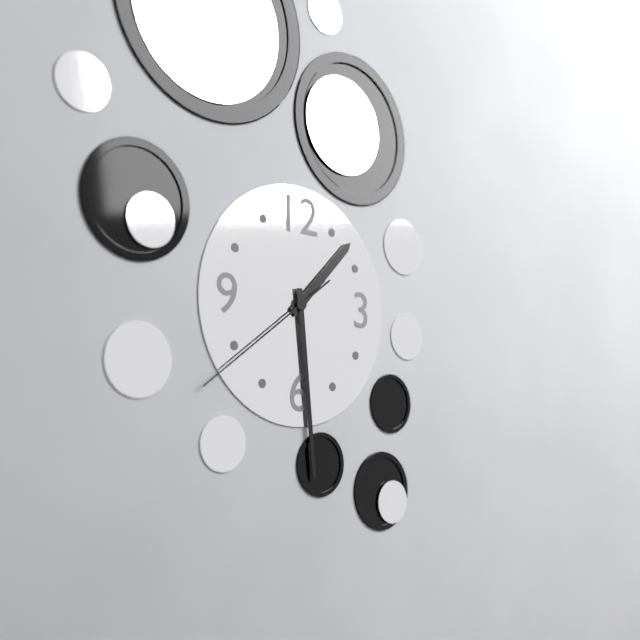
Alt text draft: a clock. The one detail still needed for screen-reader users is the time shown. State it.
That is 1:29:39
